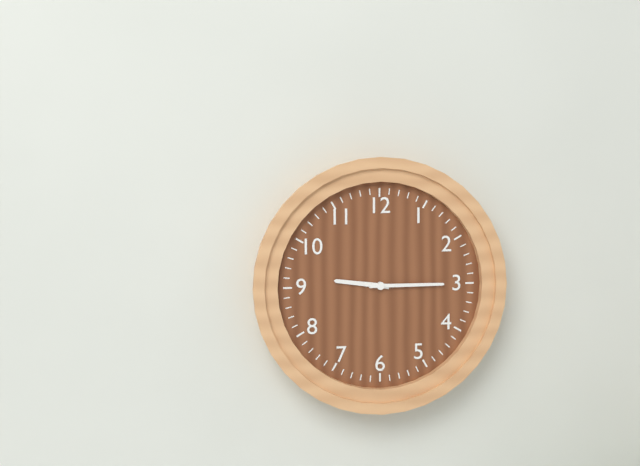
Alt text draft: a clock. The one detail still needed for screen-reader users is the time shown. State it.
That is 9:15
